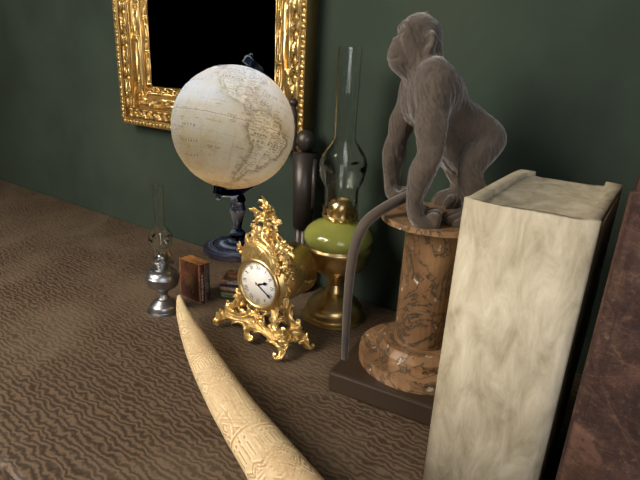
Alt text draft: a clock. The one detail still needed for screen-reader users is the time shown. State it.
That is 2:20
